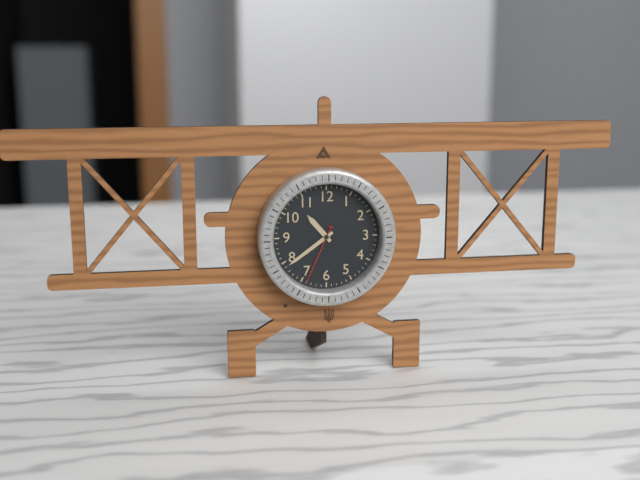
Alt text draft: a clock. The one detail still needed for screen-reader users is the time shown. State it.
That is 10:39:34
